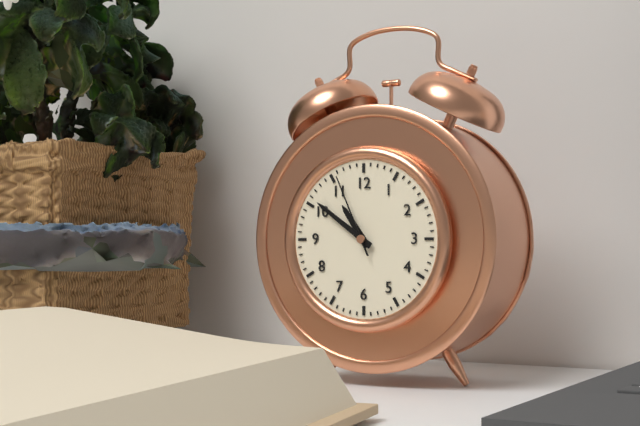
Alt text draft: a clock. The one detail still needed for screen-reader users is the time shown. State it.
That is 10:51:56
